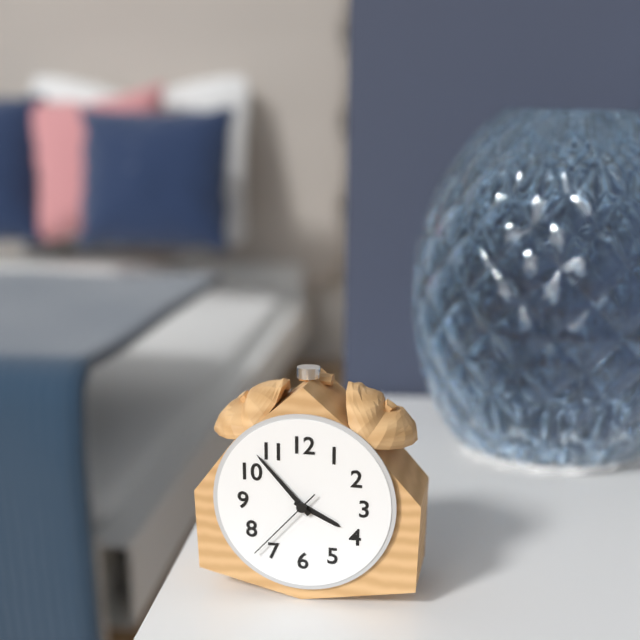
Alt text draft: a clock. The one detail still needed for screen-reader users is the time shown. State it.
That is 3:53:37
